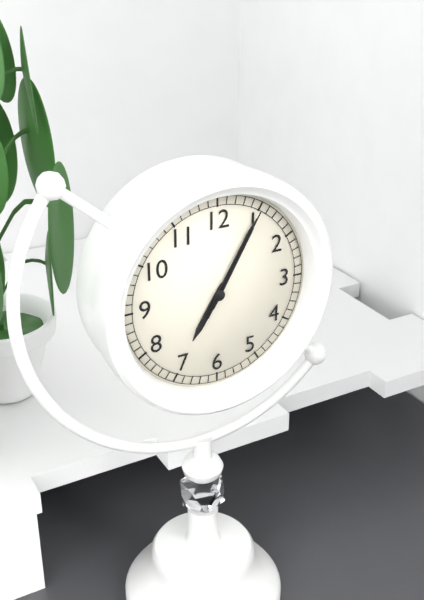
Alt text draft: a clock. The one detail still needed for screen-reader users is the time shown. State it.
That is 7:05:05
